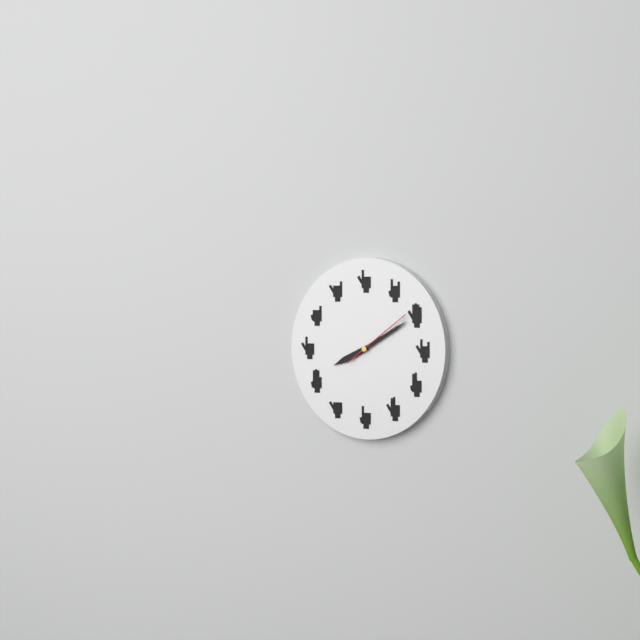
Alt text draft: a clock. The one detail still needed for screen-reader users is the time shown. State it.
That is 8:10:09
